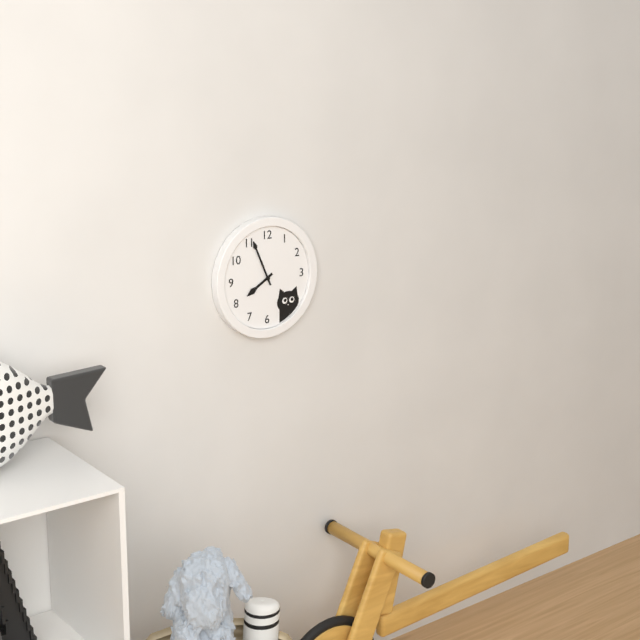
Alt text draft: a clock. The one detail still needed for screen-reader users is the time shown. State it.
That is 7:56
